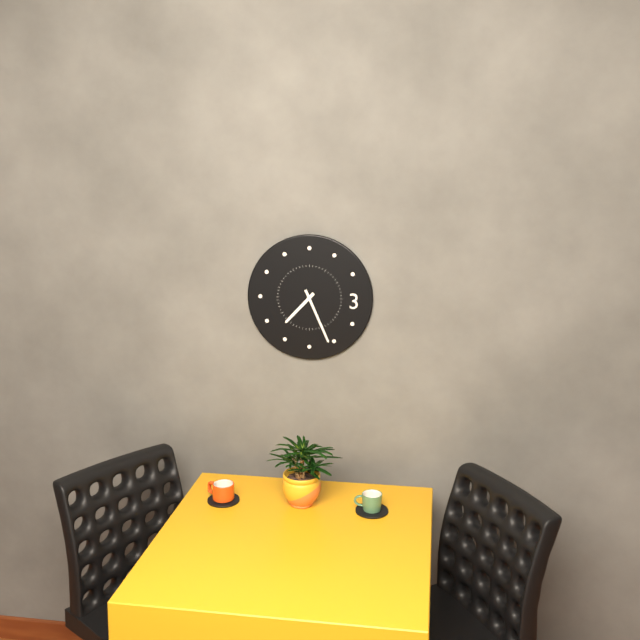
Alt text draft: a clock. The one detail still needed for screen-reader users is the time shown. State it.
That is 7:26
